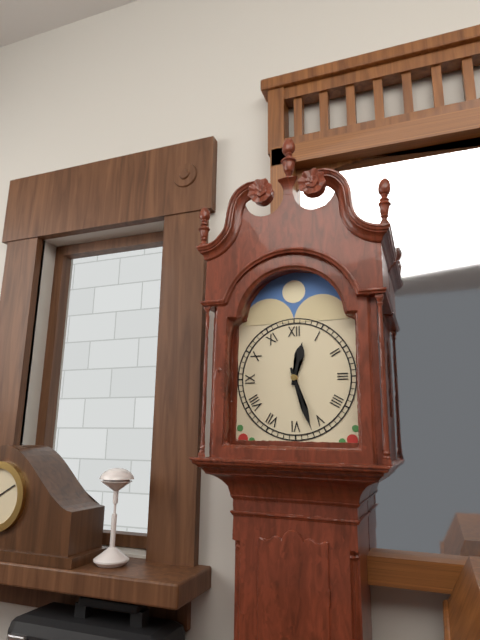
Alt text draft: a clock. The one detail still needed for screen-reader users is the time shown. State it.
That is 12:27
